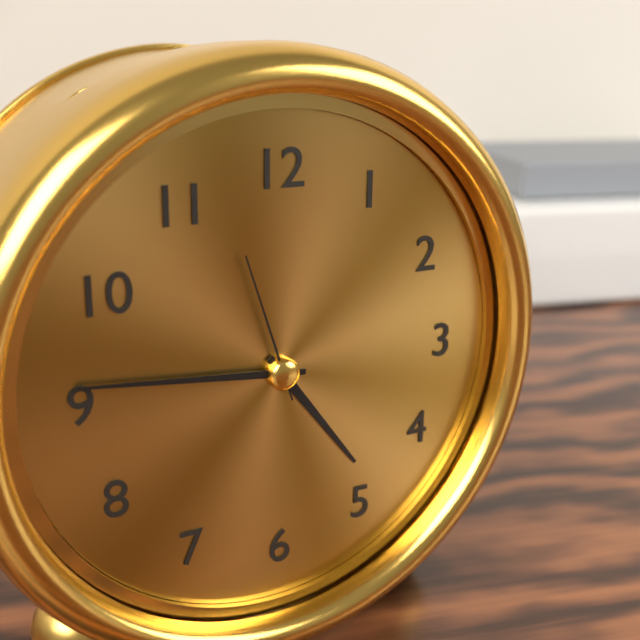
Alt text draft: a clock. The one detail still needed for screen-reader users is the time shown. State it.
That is 4:46:57
